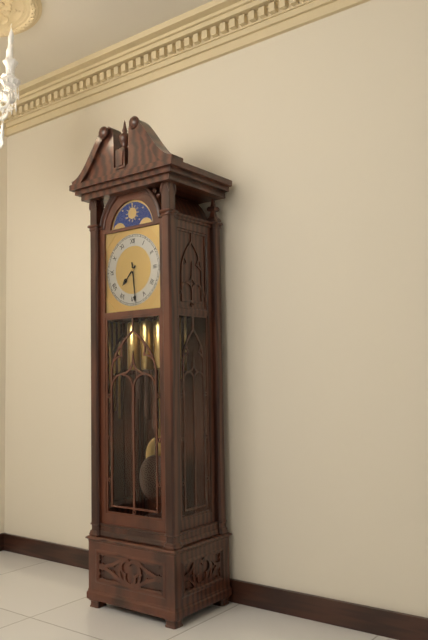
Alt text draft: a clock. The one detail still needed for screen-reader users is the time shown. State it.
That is 7:29
